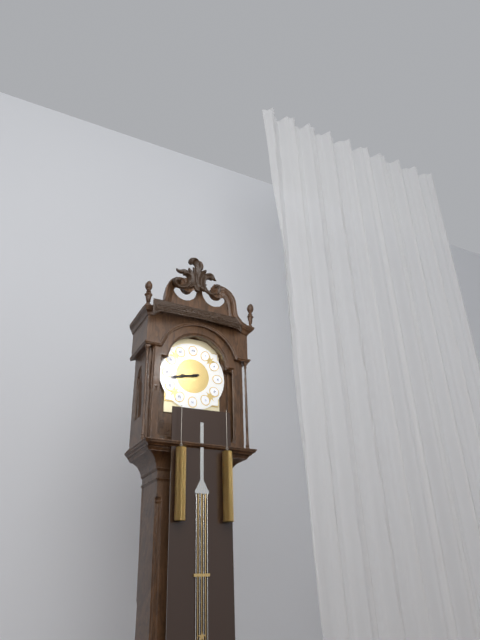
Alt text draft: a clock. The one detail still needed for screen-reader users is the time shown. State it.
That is 8:43
